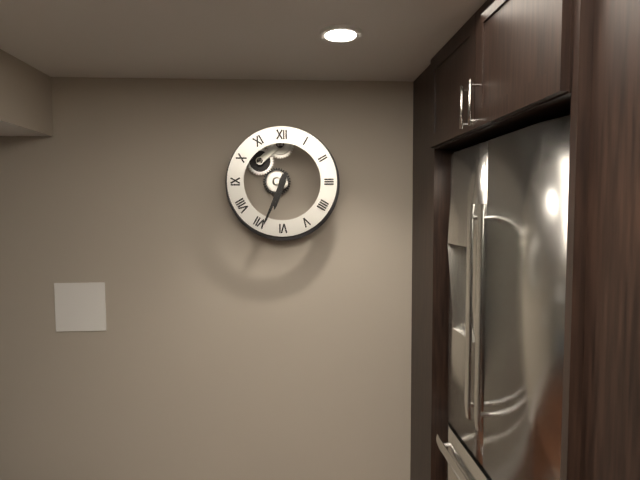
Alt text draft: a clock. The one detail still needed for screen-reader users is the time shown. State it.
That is 6:34
